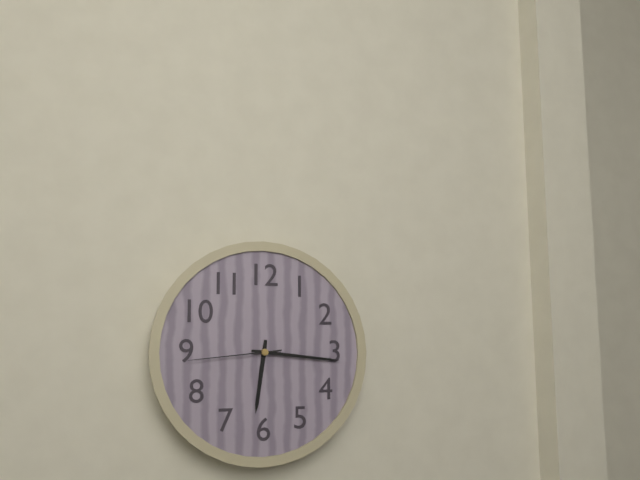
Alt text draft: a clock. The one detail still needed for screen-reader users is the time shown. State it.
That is 6:16:44
